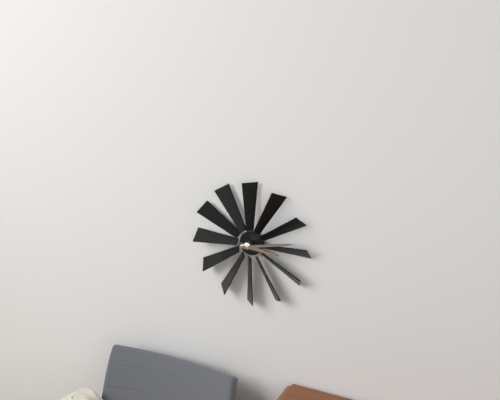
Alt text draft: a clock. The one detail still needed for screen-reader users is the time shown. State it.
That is 3:13
